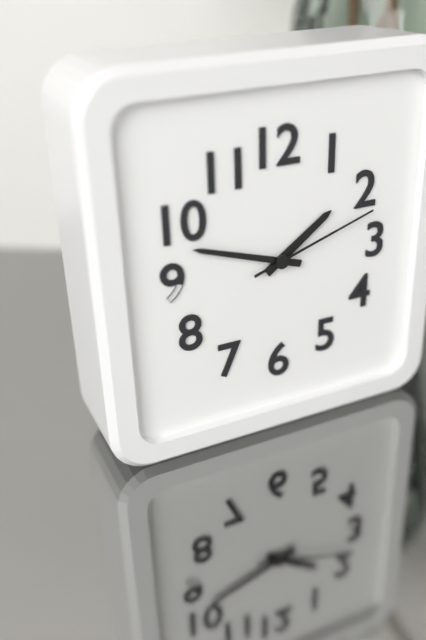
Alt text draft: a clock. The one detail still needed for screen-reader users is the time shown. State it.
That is 1:48:12
